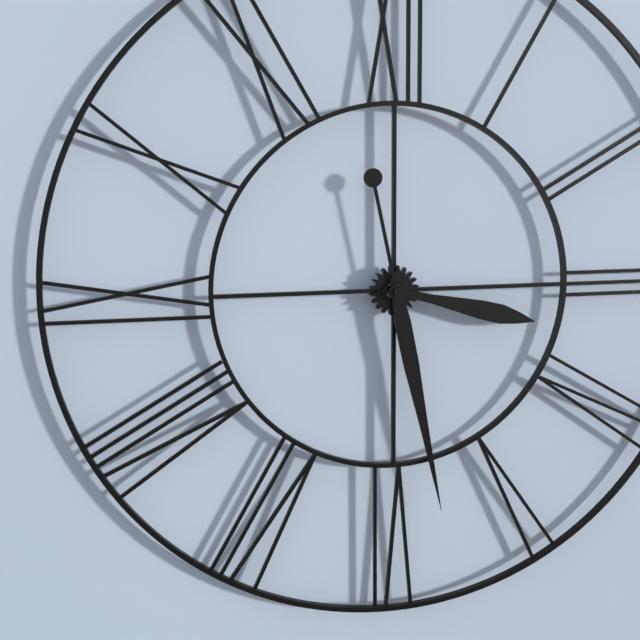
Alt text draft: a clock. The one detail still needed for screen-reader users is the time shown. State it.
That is 3:28
